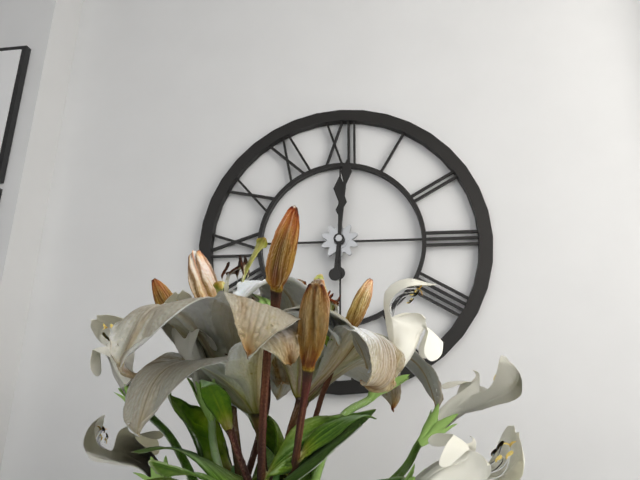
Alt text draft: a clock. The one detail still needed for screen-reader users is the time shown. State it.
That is 12:01
